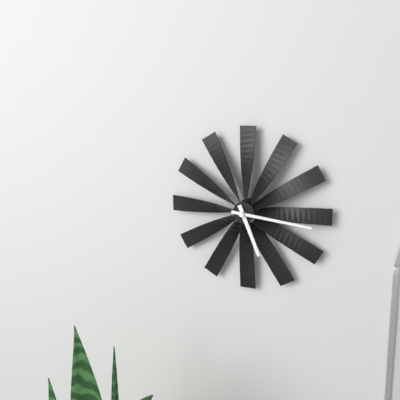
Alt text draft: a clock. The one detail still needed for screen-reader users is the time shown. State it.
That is 5:16
